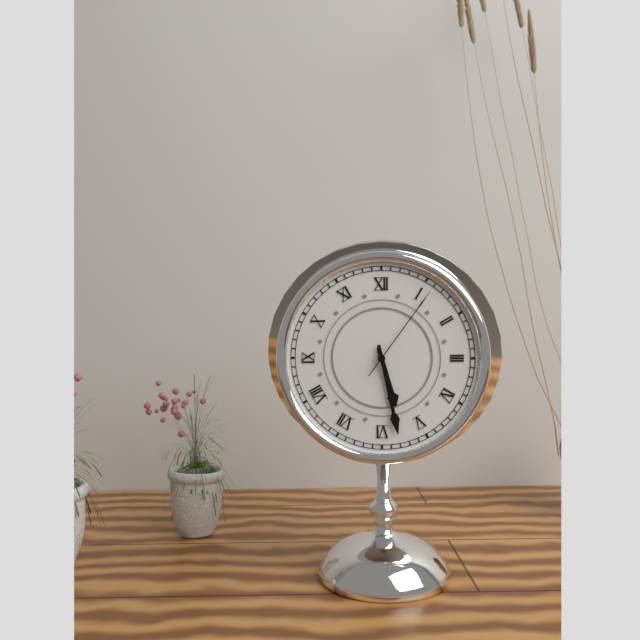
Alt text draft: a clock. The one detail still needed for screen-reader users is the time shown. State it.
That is 5:28:06
